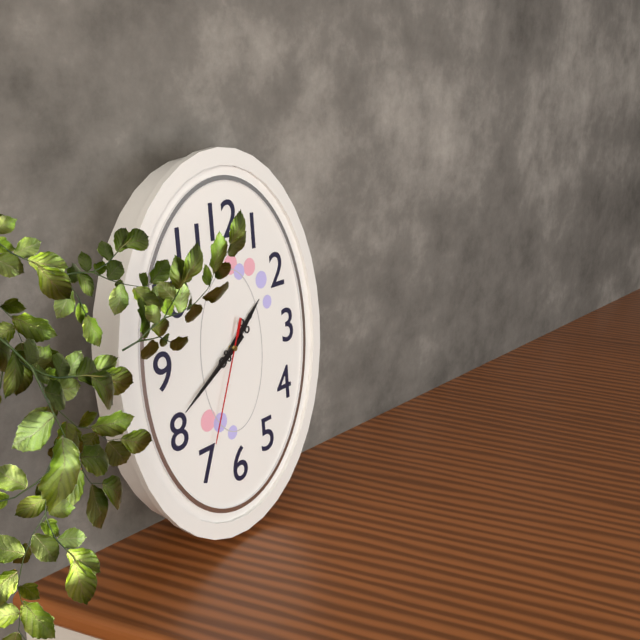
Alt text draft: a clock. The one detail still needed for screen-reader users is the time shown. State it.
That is 1:40:34
